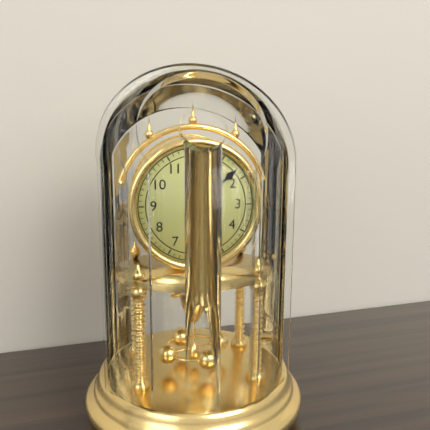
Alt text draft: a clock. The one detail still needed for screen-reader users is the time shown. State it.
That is 12:08
